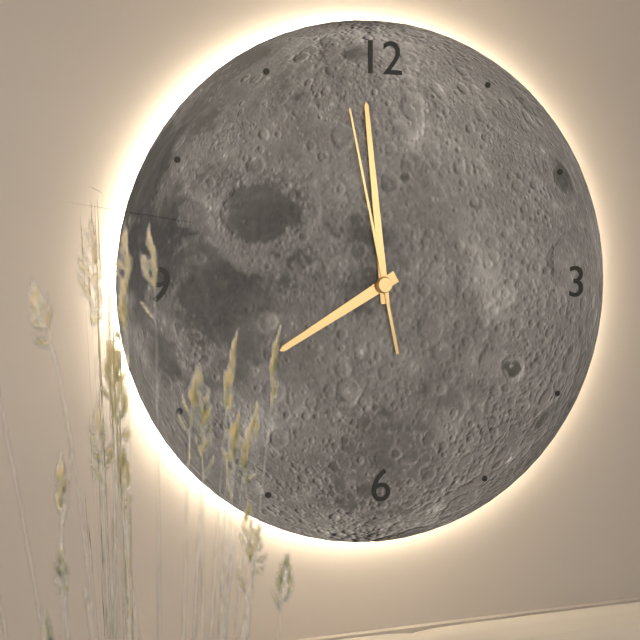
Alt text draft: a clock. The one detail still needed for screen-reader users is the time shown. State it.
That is 7:59:58
